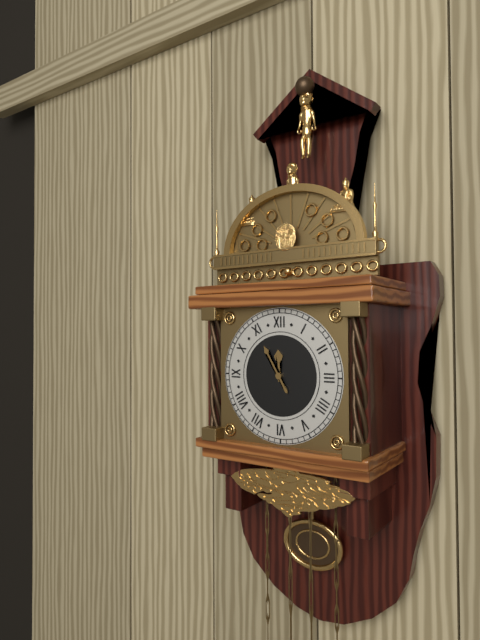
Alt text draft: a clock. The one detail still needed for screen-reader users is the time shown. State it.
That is 11:55
